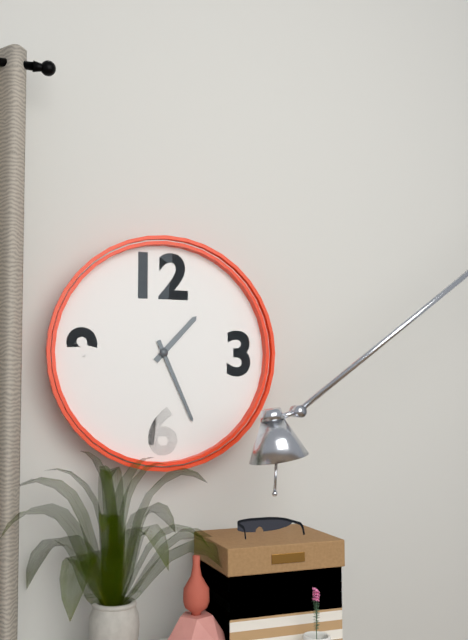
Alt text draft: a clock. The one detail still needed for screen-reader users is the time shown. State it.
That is 1:26
